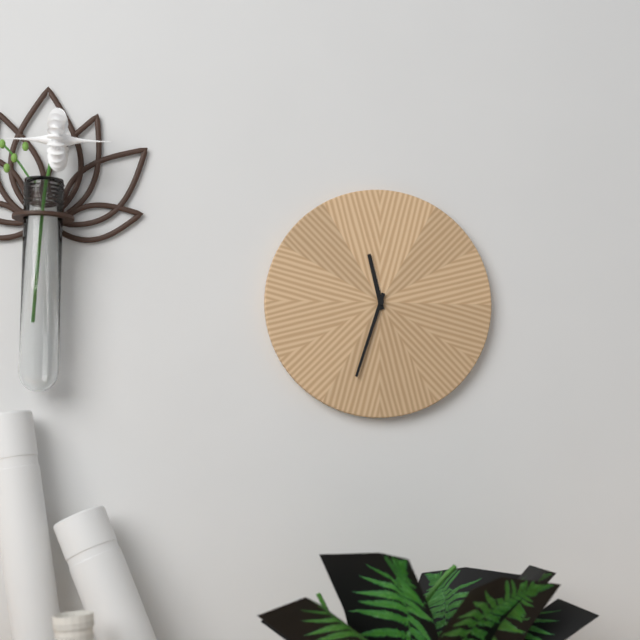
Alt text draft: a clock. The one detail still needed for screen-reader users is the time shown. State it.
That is 11:33
